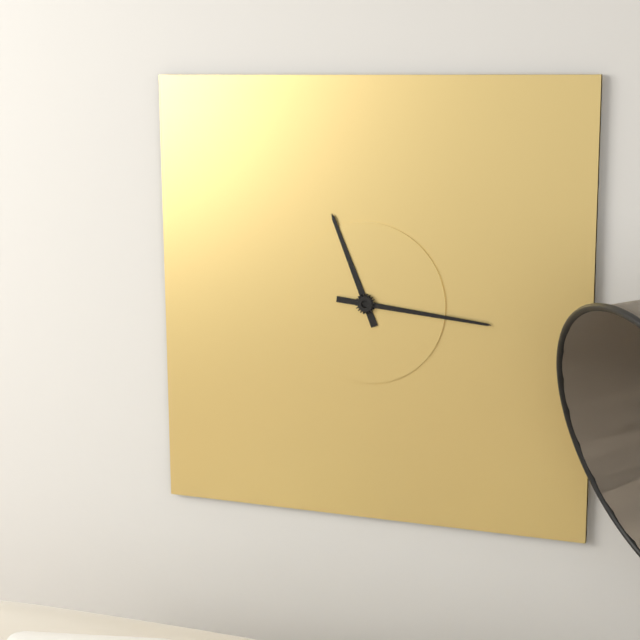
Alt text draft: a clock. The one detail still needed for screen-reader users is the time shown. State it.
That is 11:16
